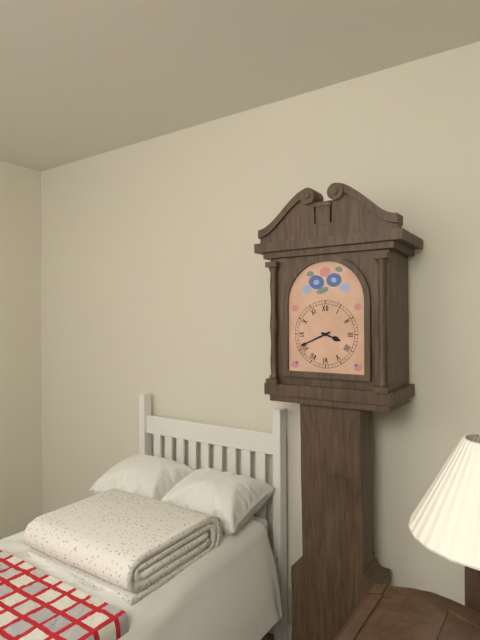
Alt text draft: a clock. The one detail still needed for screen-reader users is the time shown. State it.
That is 3:41
